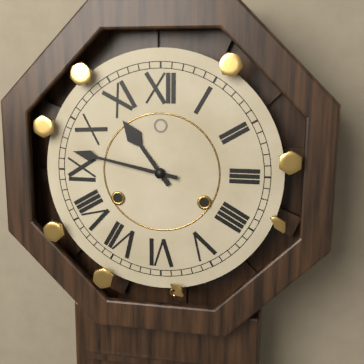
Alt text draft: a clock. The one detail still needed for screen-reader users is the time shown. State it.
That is 10:47
